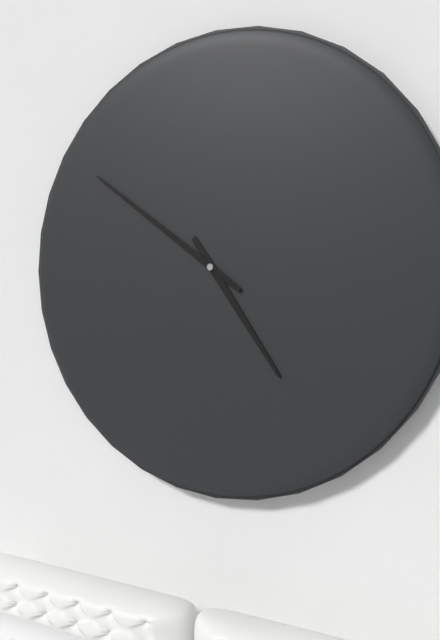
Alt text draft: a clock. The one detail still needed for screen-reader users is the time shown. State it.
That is 4:51
